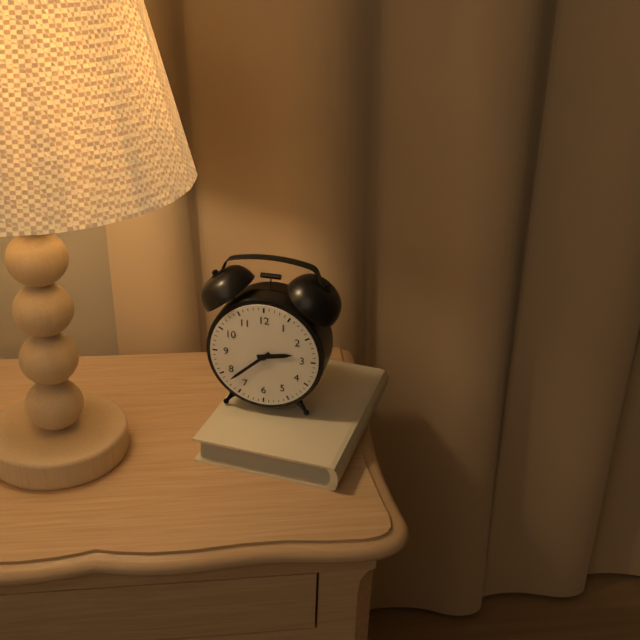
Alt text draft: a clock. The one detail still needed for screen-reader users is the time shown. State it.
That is 2:38
